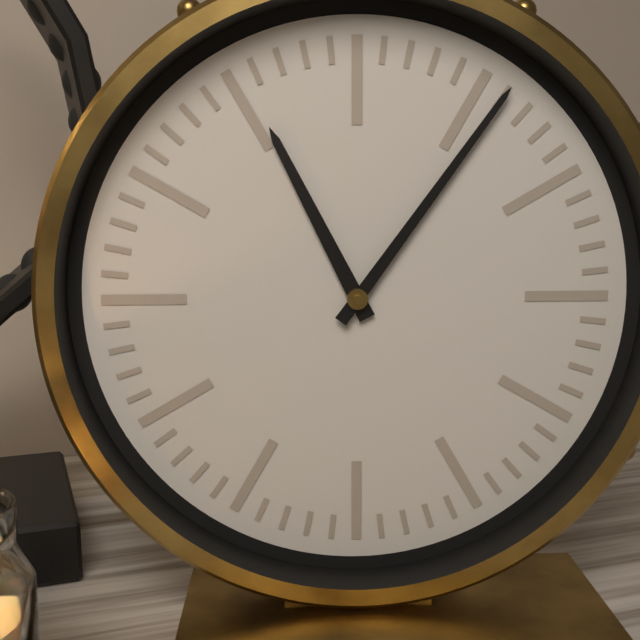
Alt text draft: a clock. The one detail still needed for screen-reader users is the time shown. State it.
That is 11:06
